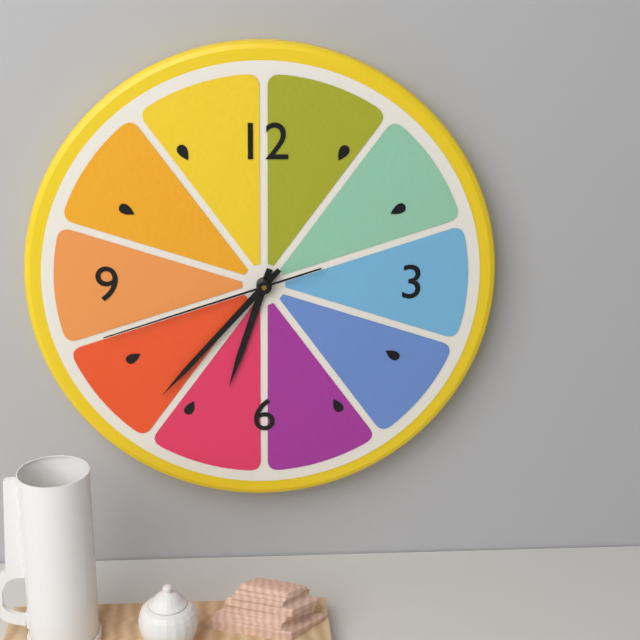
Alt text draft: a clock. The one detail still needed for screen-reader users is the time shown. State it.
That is 6:37:42
